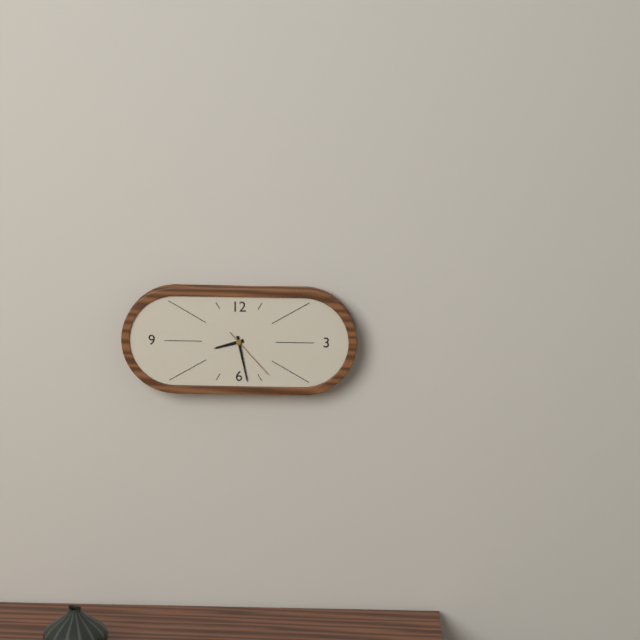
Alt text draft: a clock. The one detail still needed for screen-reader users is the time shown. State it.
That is 8:28:23
